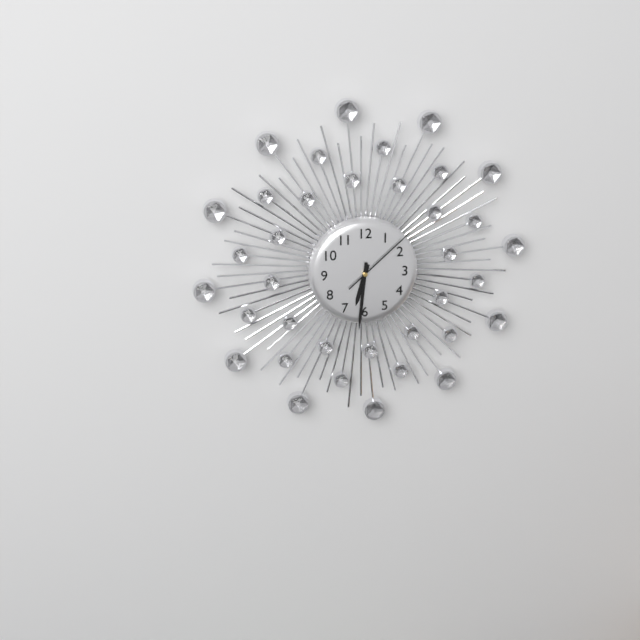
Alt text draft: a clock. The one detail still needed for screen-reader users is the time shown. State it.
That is 6:31:08
